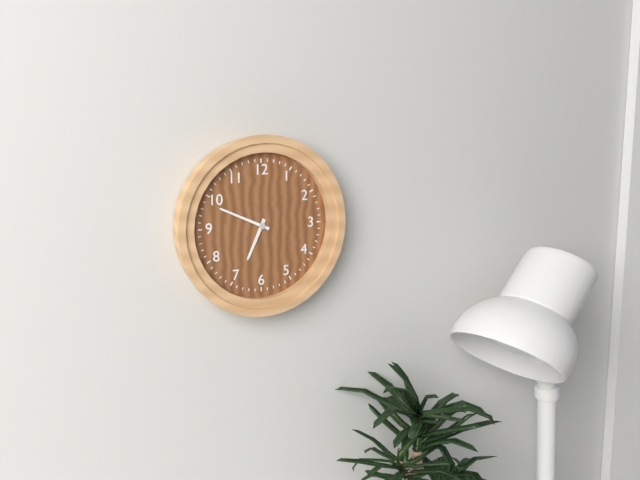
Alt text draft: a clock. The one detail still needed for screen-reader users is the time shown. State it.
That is 6:49
